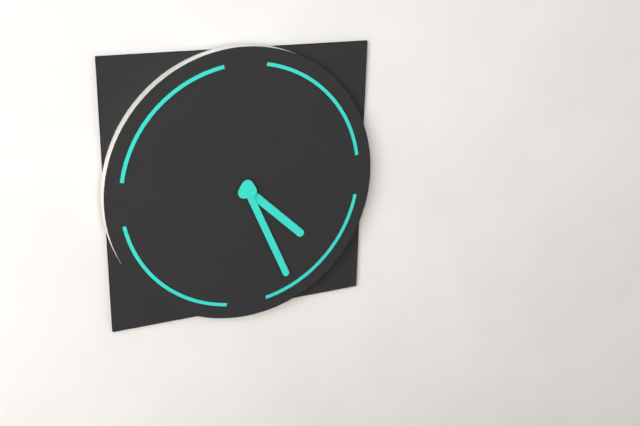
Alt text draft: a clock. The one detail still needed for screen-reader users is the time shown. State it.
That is 4:26
